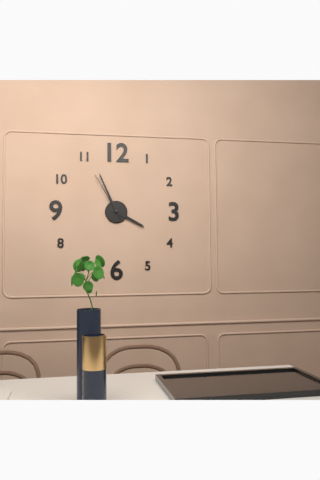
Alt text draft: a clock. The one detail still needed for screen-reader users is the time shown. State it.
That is 3:56:55
